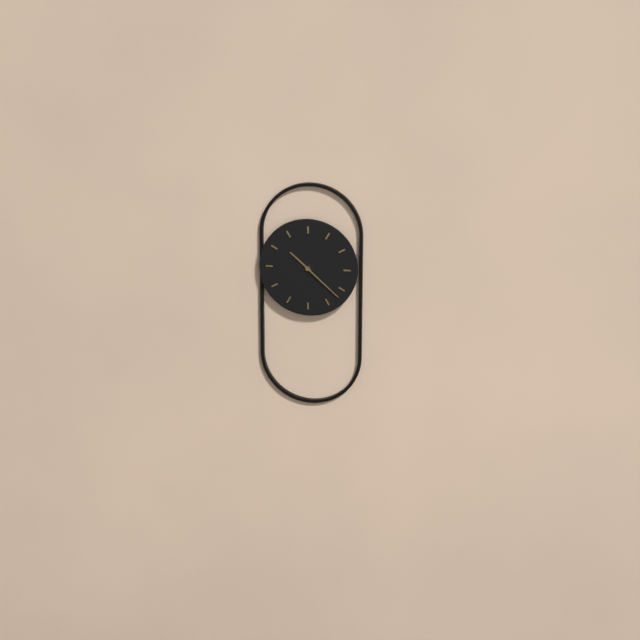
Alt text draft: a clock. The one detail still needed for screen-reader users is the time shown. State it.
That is 10:22
